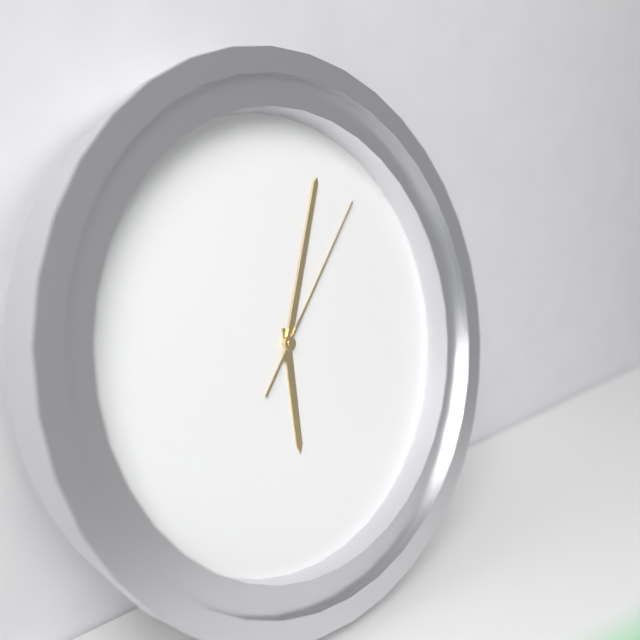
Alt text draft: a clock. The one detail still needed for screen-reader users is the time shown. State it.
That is 6:04:07
